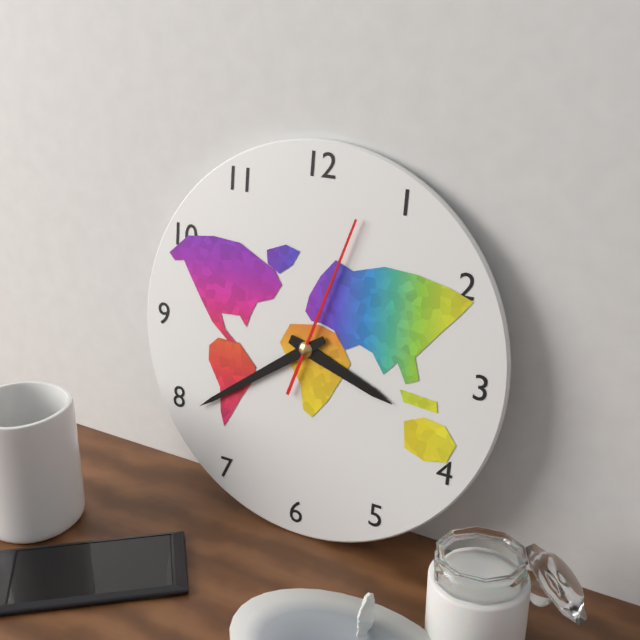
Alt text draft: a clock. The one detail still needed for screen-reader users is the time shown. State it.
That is 3:39:03
